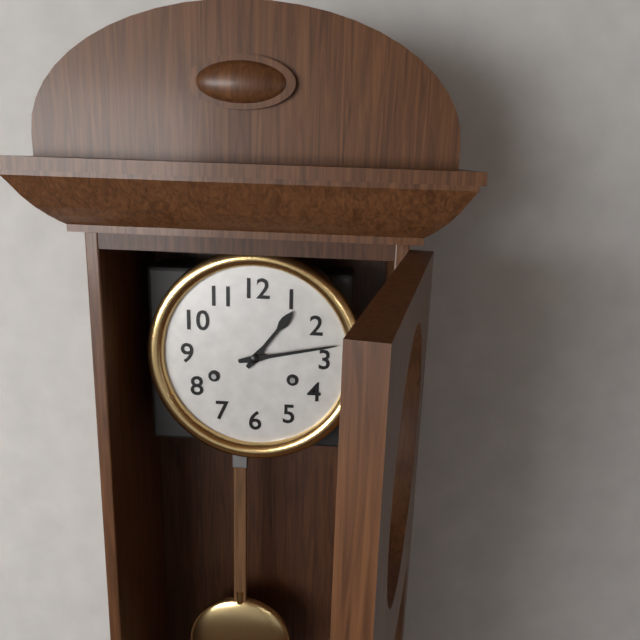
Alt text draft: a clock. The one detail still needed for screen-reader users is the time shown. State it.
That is 1:13
